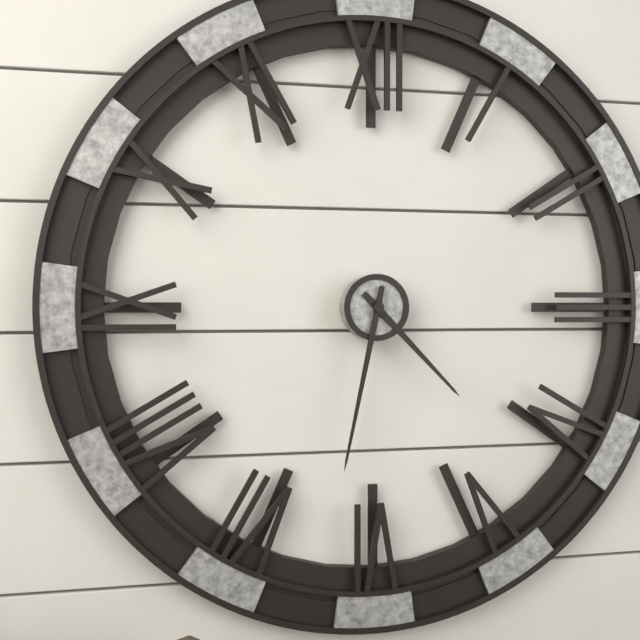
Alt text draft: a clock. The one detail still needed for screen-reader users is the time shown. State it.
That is 4:32
